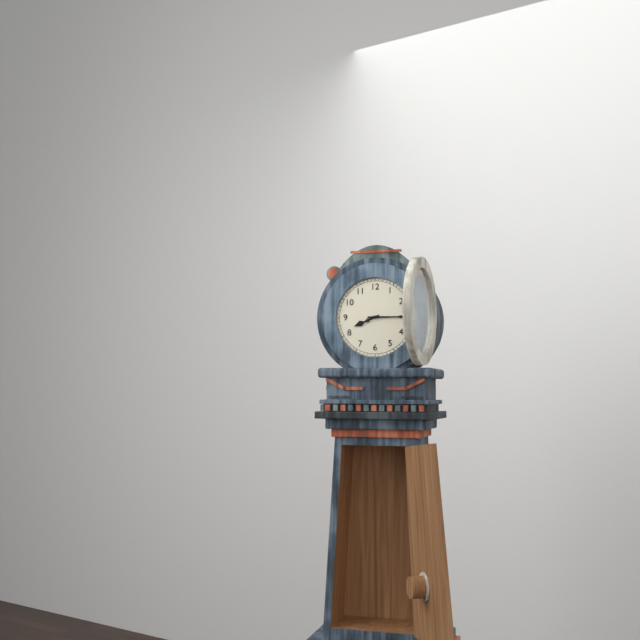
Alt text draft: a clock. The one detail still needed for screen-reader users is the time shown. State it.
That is 8:15
